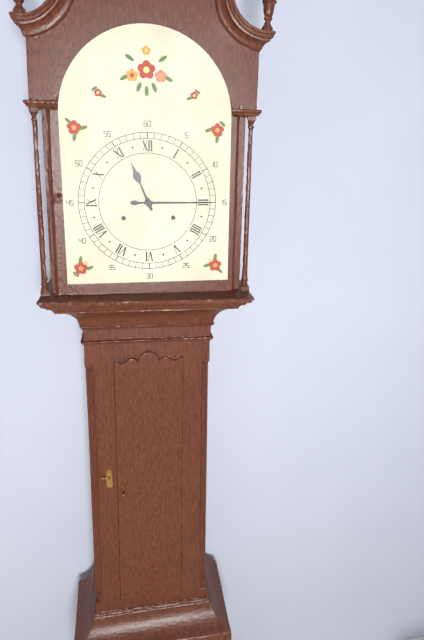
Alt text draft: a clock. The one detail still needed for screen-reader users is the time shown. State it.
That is 11:15
